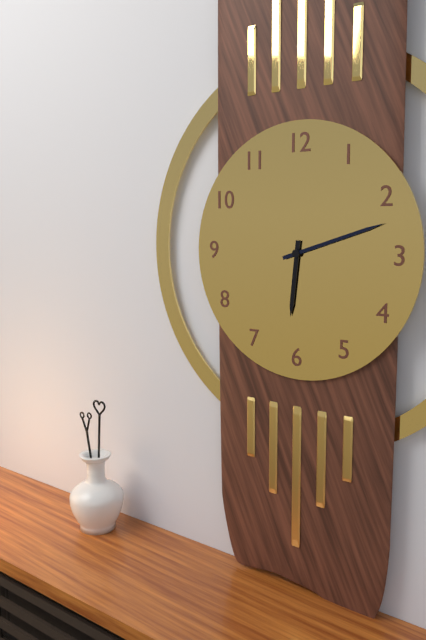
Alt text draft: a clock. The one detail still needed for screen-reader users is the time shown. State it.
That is 6:12
